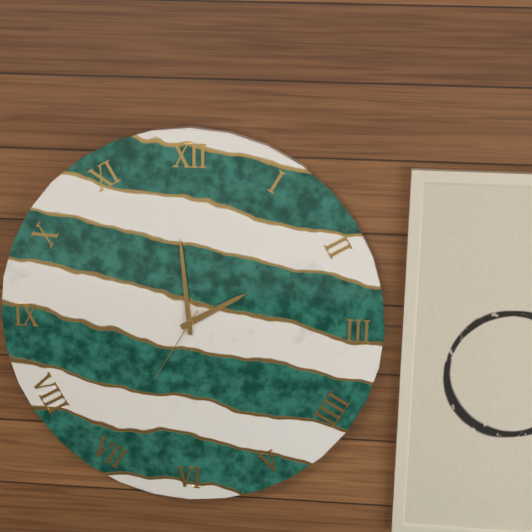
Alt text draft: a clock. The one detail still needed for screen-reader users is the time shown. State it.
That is 1:59:35
